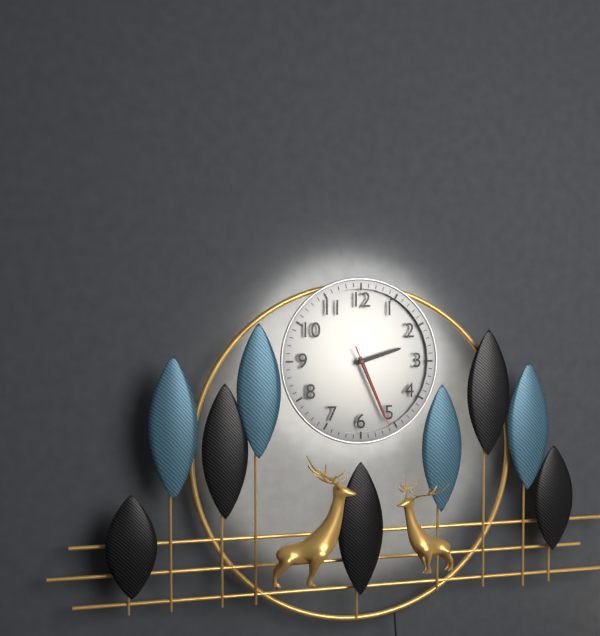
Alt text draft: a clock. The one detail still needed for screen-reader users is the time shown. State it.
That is 2:26:26
